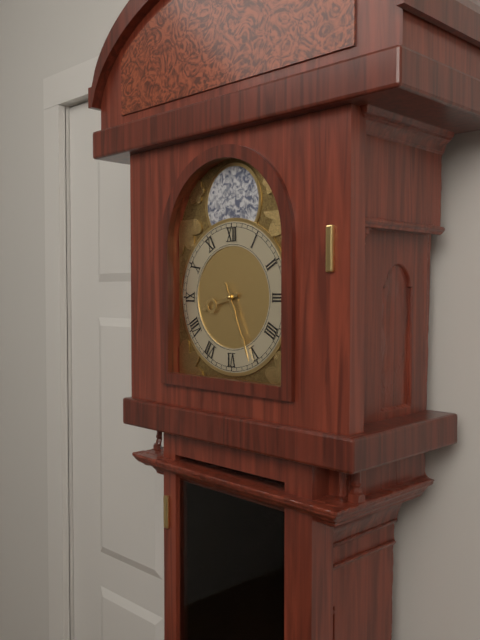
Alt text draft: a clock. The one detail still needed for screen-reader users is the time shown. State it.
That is 8:26
